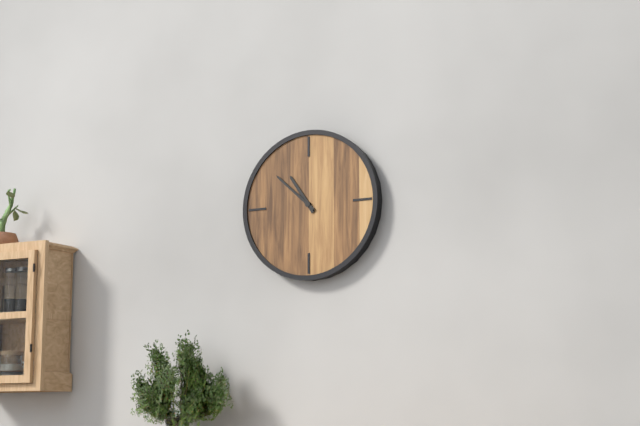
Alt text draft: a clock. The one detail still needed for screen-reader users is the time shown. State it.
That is 10:52
